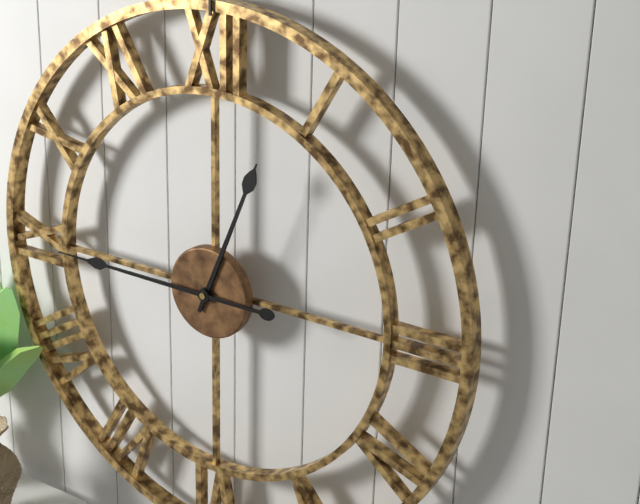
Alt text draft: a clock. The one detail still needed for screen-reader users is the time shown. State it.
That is 12:45
